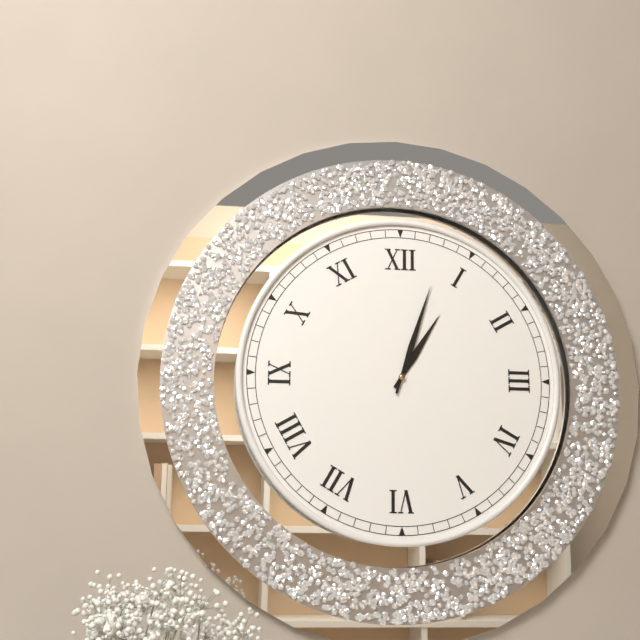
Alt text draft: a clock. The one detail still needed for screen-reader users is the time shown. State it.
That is 1:03
